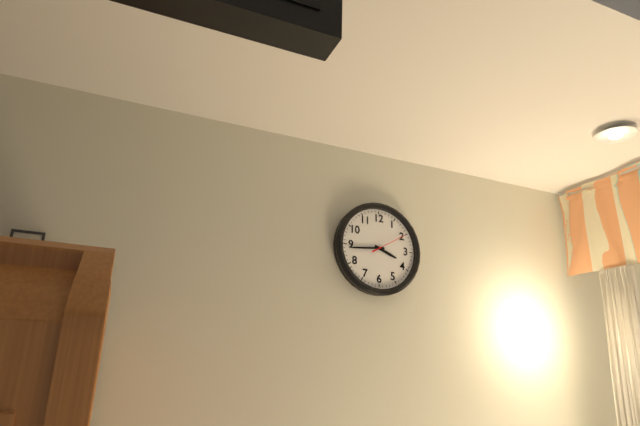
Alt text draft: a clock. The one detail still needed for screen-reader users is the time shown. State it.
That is 3:44
